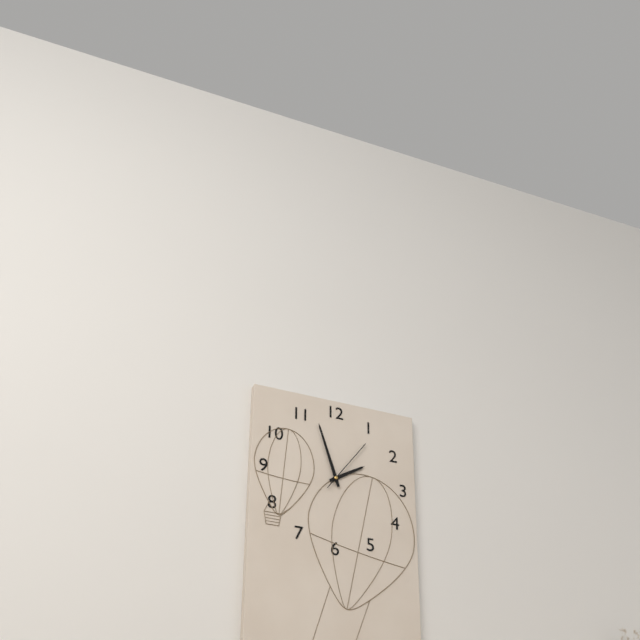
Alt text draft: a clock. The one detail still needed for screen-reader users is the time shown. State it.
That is 1:57:06
